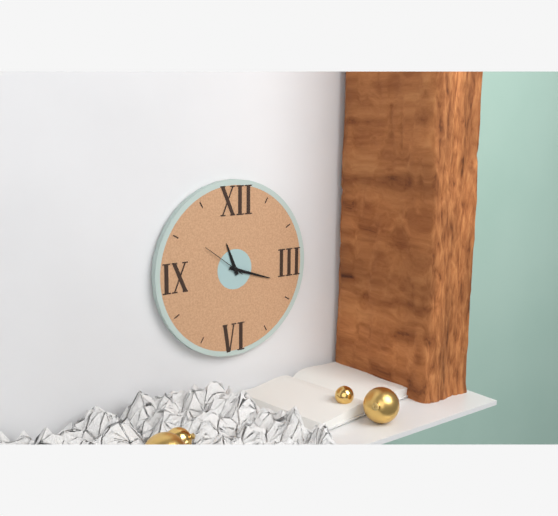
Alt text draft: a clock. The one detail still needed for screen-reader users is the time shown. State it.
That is 11:18
